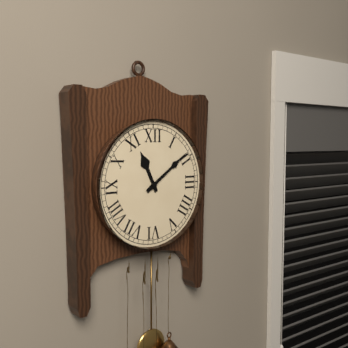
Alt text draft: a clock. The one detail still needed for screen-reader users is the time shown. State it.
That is 11:09
